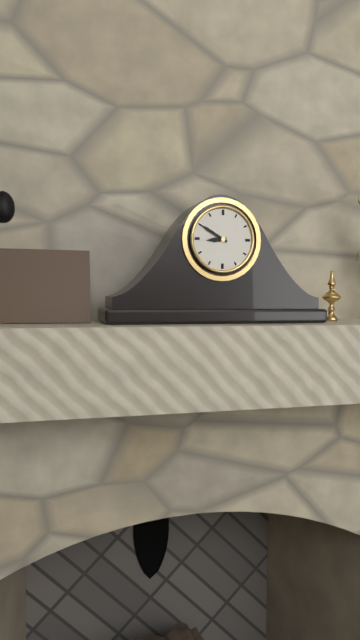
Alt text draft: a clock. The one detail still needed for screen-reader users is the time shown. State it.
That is 8:50
